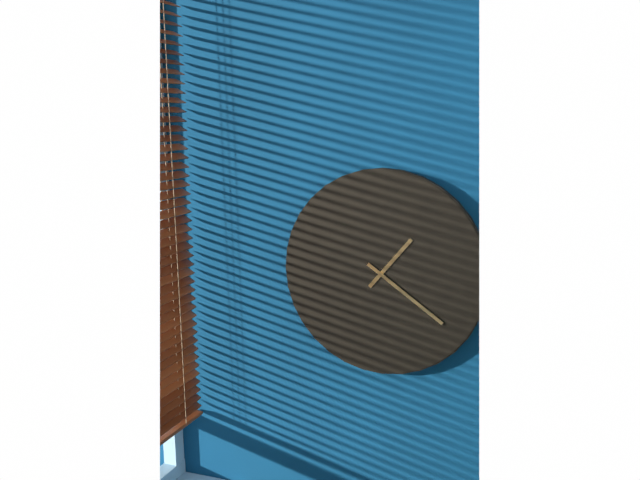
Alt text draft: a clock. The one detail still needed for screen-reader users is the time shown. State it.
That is 1:21
